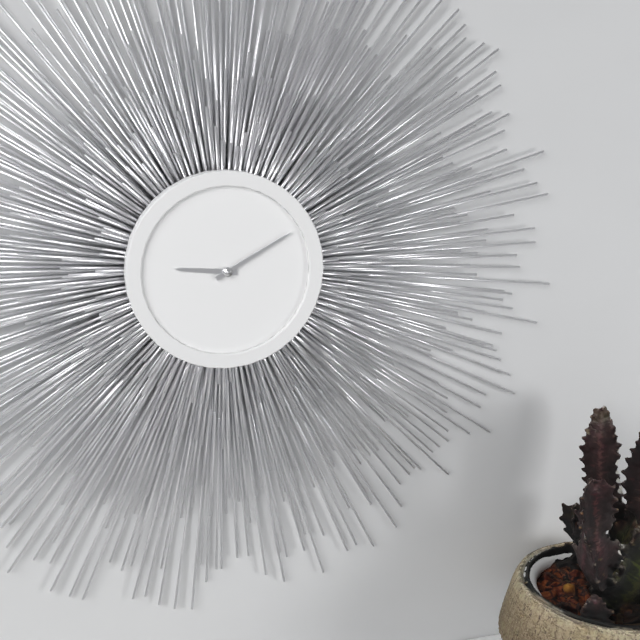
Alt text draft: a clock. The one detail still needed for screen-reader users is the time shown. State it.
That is 9:10
